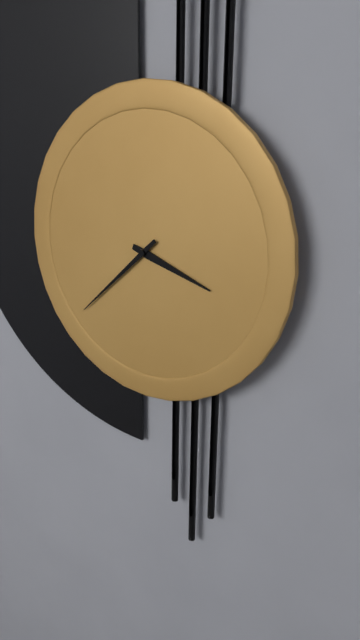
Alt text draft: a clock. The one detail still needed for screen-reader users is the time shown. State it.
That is 3:38
